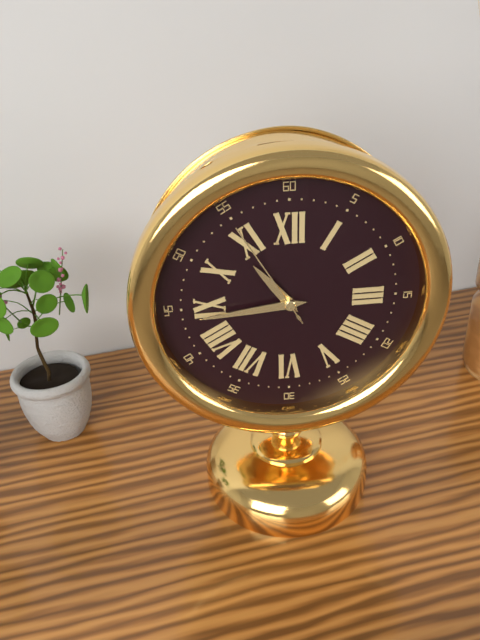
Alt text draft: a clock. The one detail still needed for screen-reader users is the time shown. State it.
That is 10:44:55
